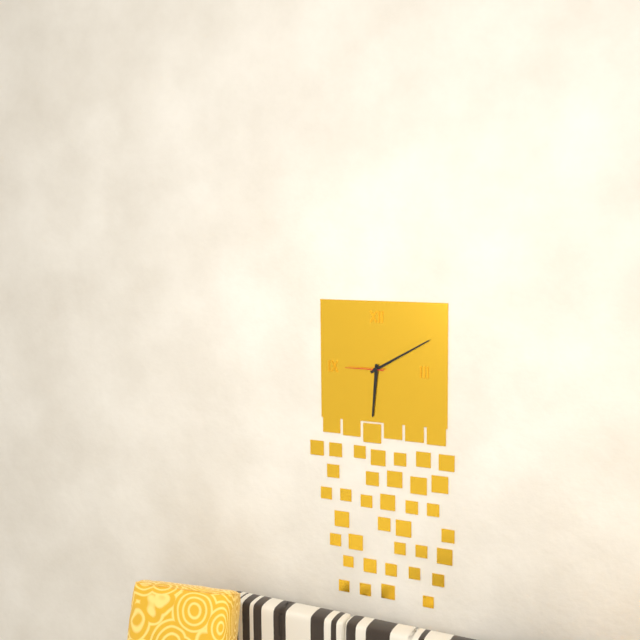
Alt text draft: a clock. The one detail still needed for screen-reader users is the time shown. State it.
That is 6:10
